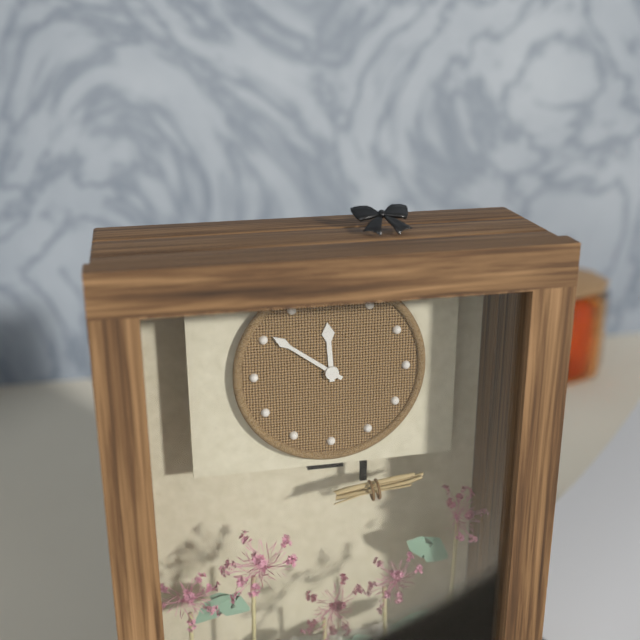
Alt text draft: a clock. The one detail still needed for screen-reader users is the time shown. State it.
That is 11:51
